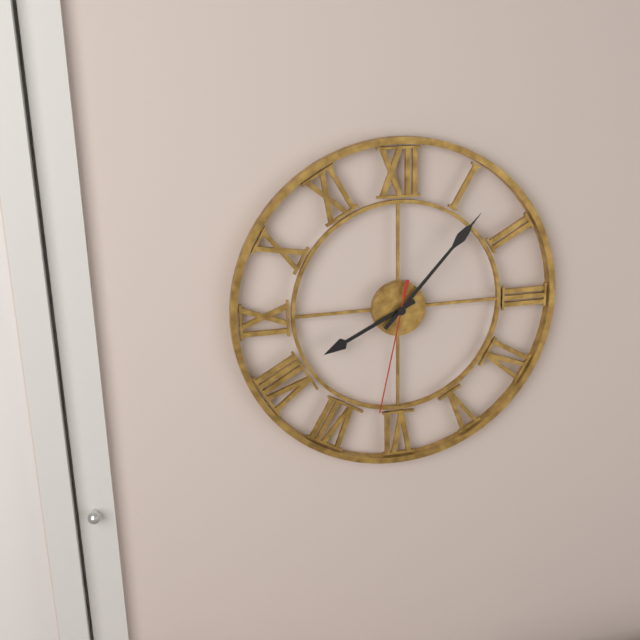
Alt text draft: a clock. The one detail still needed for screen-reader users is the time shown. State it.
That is 8:07:32
